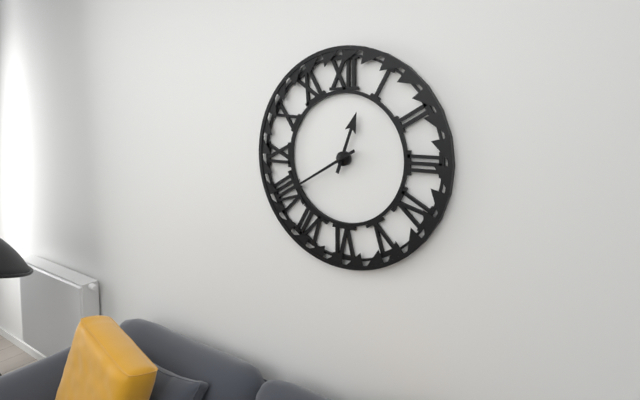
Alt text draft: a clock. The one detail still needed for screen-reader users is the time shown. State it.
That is 12:40
